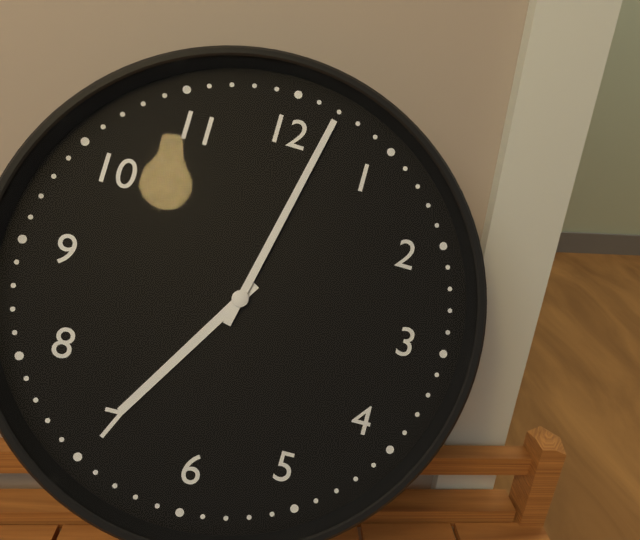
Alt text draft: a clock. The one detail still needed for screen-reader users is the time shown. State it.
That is 7:02
